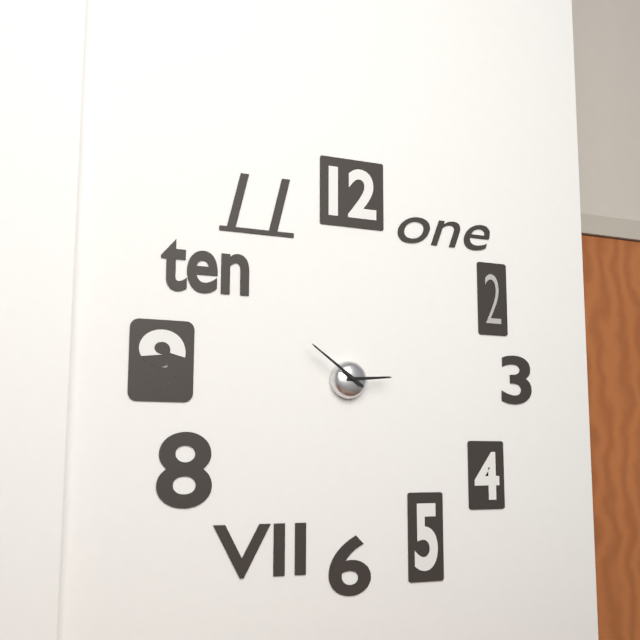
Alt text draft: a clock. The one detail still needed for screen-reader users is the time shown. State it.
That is 2:51
